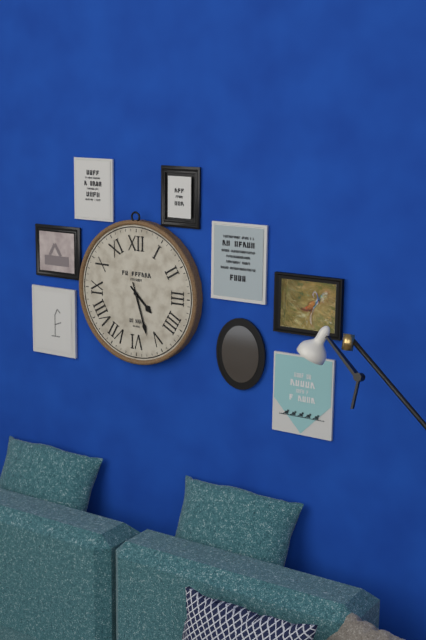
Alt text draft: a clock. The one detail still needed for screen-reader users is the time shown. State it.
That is 4:27
